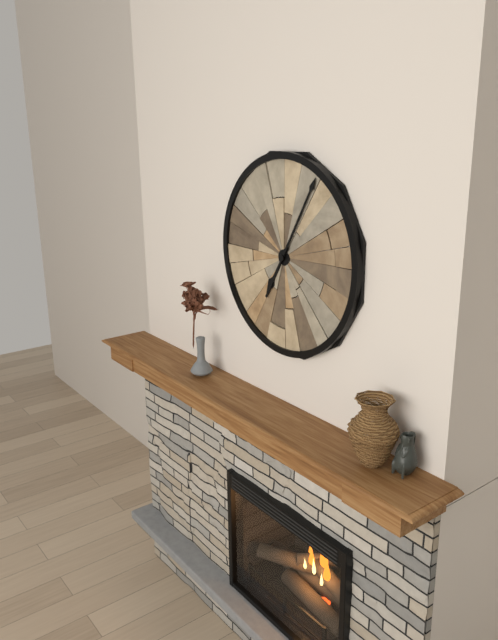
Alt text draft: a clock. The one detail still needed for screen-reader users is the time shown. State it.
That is 7:05
